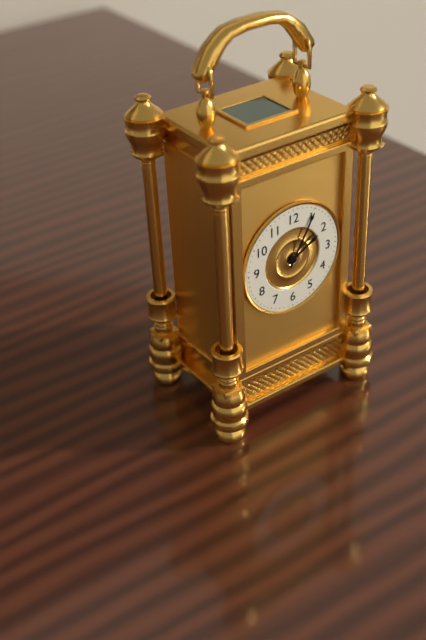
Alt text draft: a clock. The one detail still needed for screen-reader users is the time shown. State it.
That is 2:05
